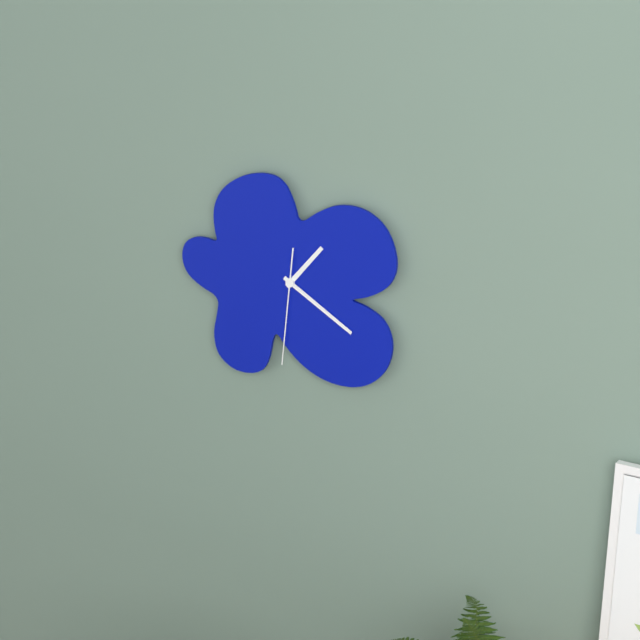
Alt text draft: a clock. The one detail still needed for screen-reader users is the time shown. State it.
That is 1:20:31
